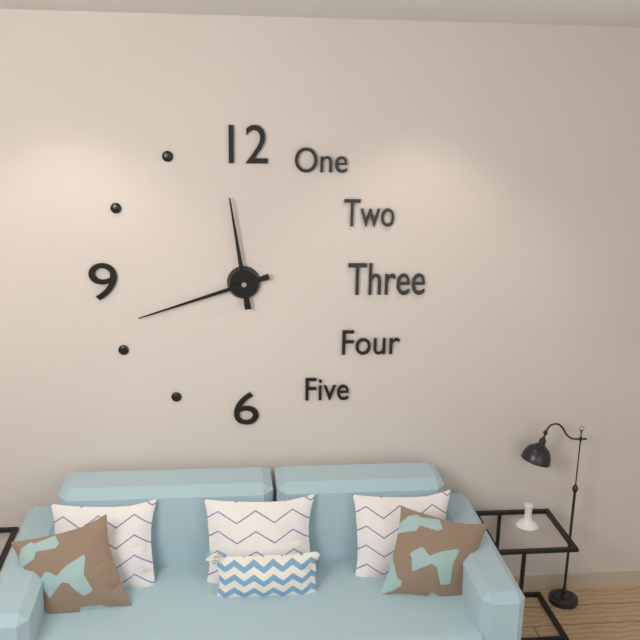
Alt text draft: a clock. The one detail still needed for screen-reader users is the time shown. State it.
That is 11:42
